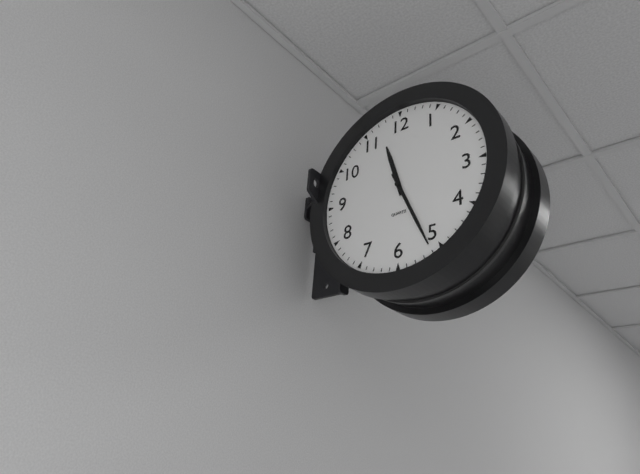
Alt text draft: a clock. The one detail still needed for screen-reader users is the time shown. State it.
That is 11:26
